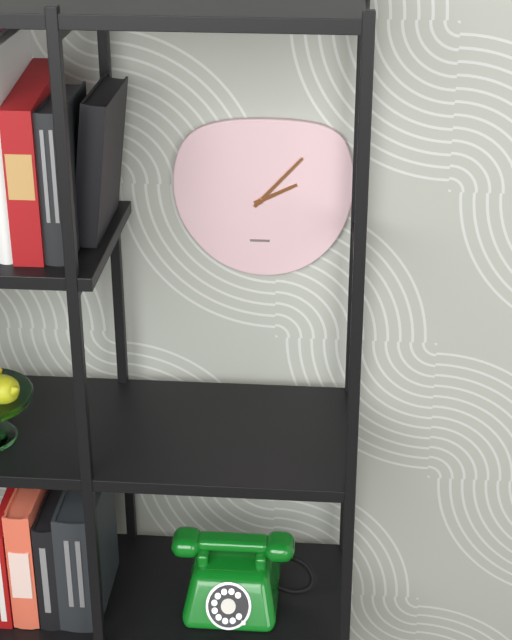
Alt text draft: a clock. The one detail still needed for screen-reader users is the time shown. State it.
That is 2:07
